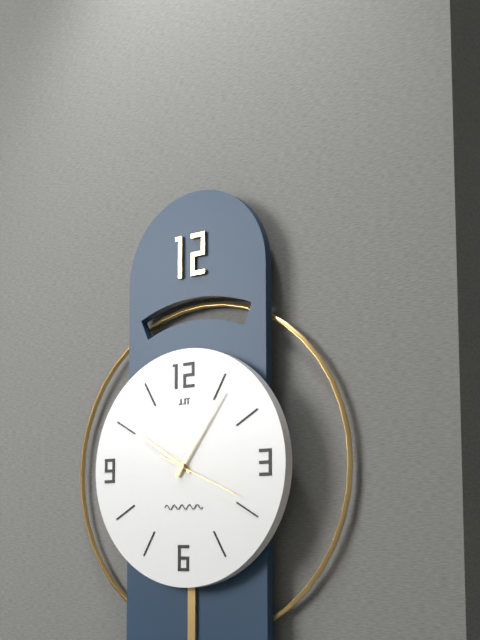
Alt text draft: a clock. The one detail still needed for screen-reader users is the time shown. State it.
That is 10:06:19
